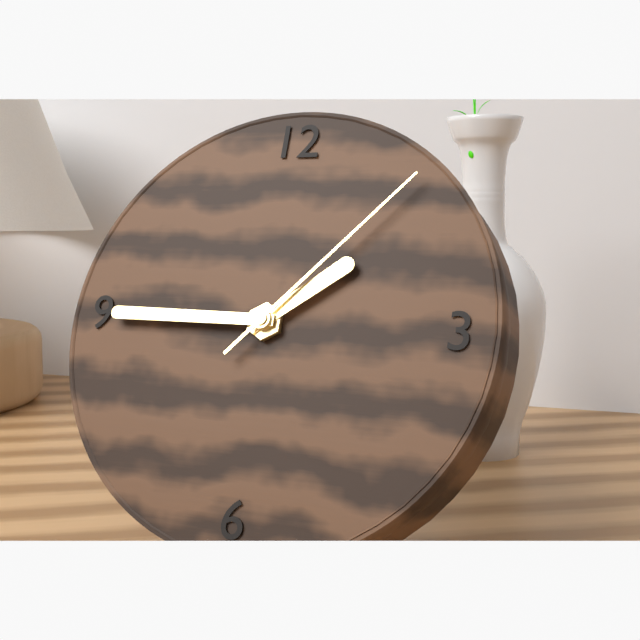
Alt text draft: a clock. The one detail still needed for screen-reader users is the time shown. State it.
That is 1:45:07
